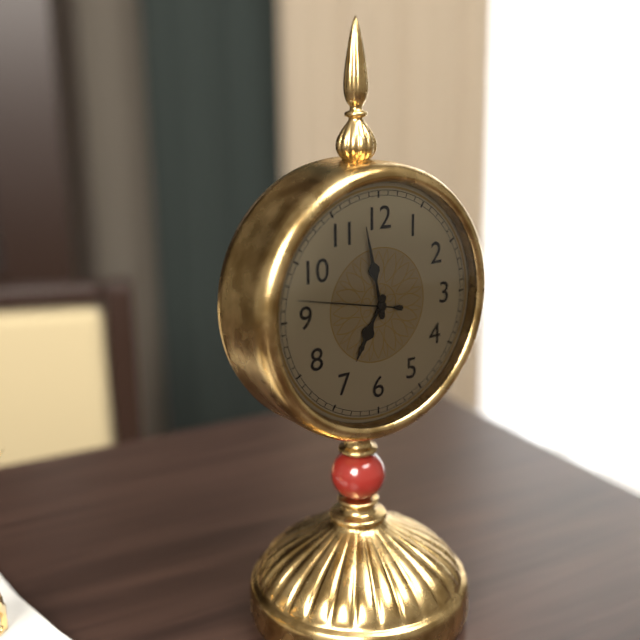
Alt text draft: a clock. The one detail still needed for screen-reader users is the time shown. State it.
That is 6:58:47
